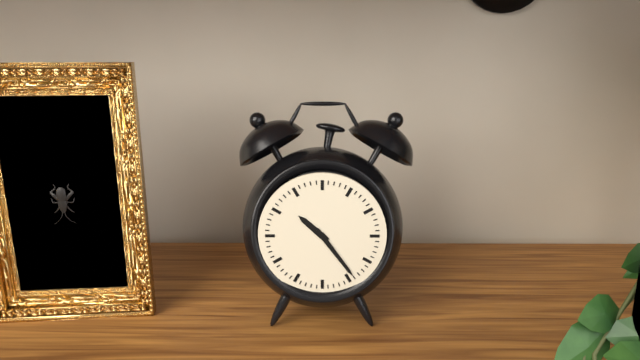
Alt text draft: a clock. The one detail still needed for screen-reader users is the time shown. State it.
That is 10:24
